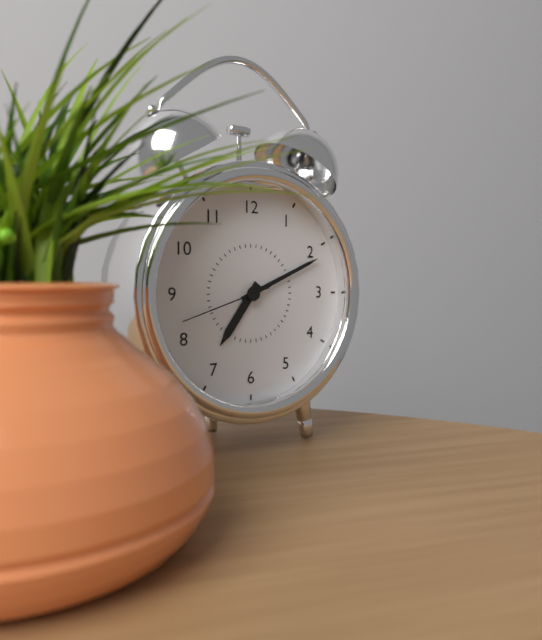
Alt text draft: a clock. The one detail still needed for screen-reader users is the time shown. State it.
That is 7:11:42
